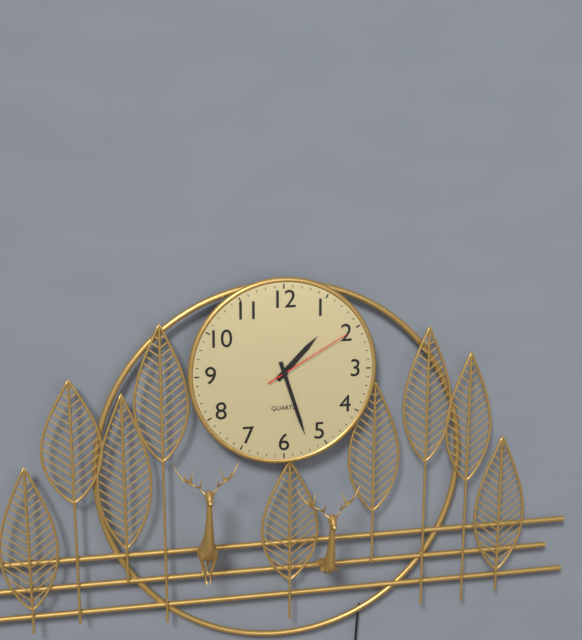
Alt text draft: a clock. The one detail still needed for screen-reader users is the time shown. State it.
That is 1:27:10
